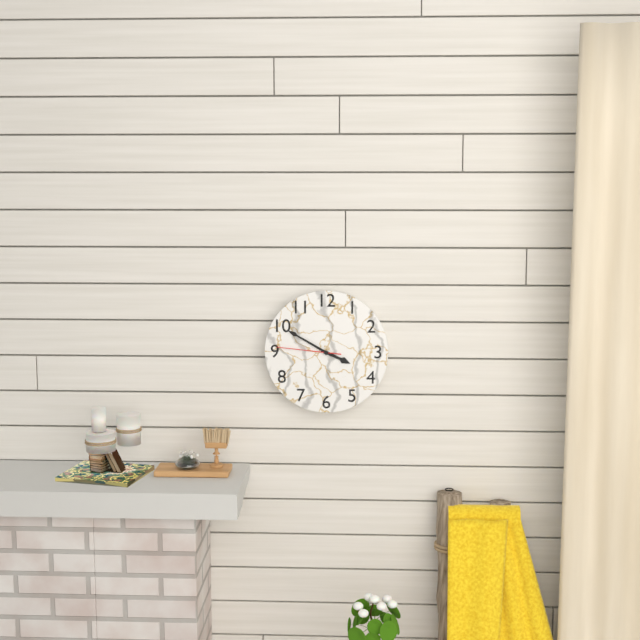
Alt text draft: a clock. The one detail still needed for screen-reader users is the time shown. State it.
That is 3:50:46
